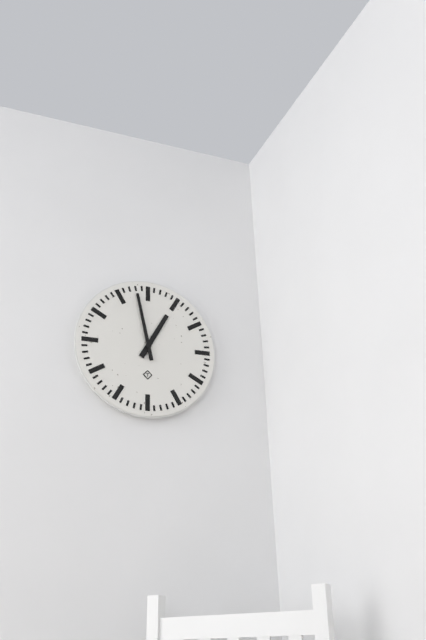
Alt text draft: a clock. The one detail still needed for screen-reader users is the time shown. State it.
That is 12:58
